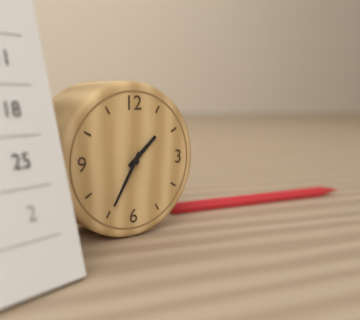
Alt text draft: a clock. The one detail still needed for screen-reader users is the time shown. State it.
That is 1:35
